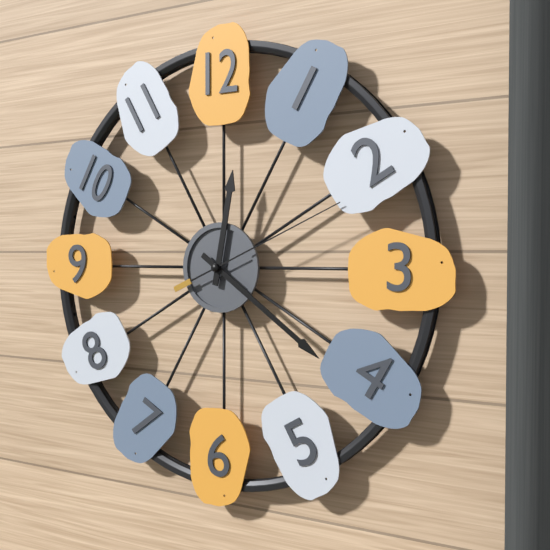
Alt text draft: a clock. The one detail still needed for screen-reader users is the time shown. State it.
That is 12:21:11
